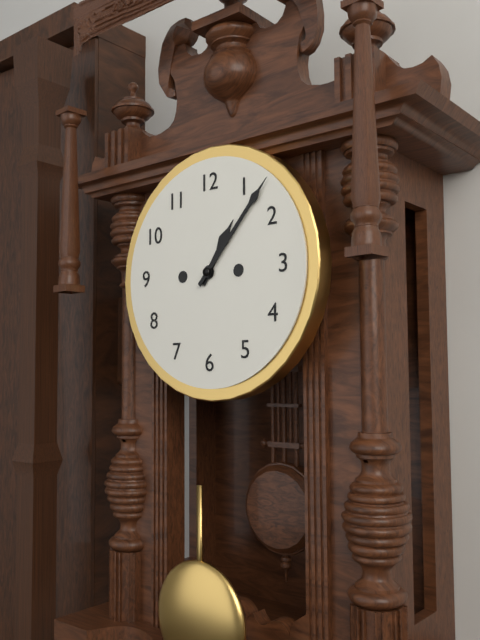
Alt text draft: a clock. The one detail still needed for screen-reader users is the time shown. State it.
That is 1:07
